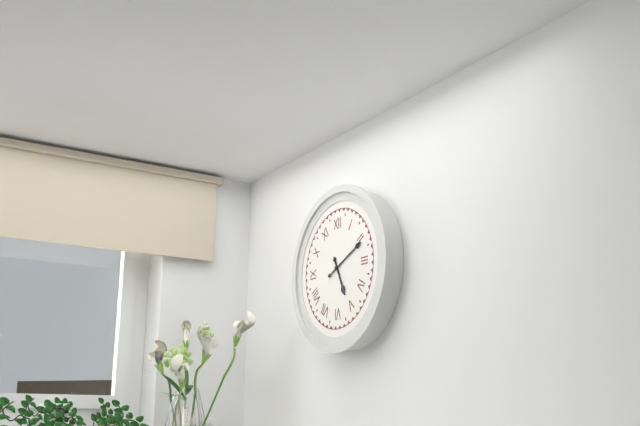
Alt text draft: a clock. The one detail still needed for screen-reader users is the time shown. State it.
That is 5:11
